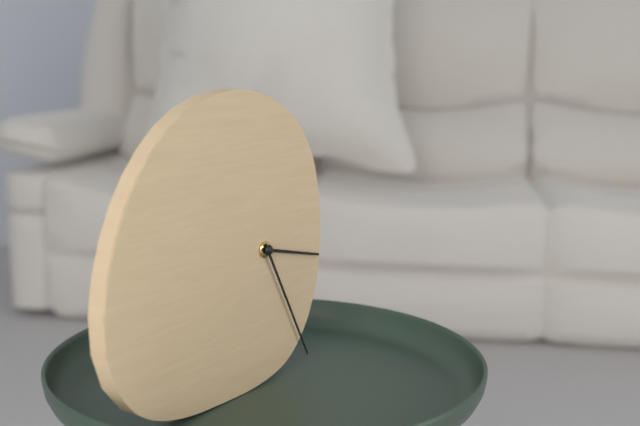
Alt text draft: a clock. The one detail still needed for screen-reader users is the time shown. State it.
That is 3:25
